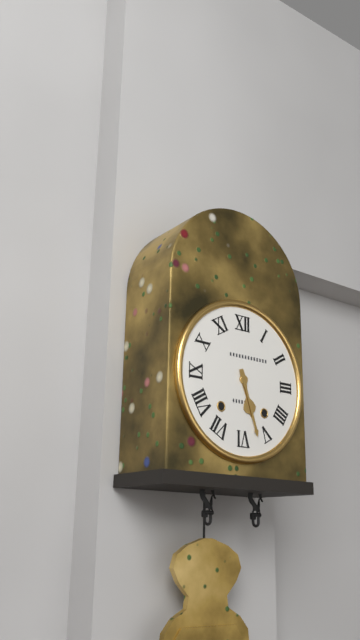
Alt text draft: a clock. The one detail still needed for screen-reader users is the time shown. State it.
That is 5:27
